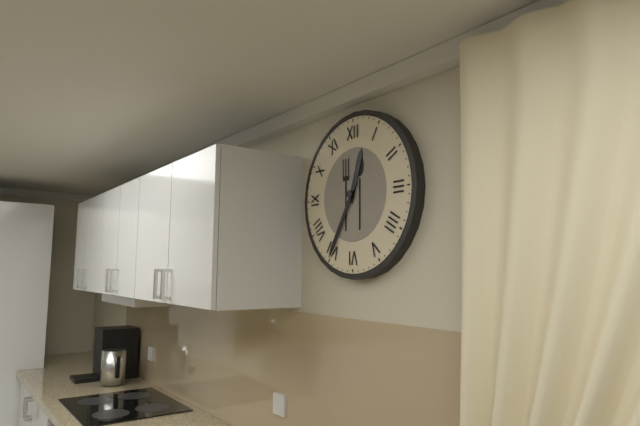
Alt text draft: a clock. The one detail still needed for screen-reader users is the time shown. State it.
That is 12:35
